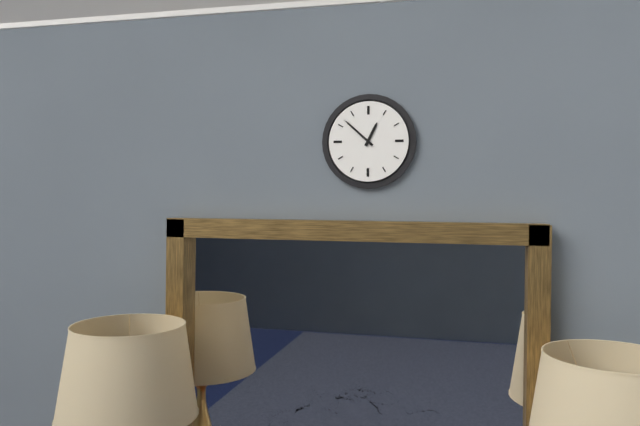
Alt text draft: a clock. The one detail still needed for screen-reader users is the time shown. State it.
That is 12:52
